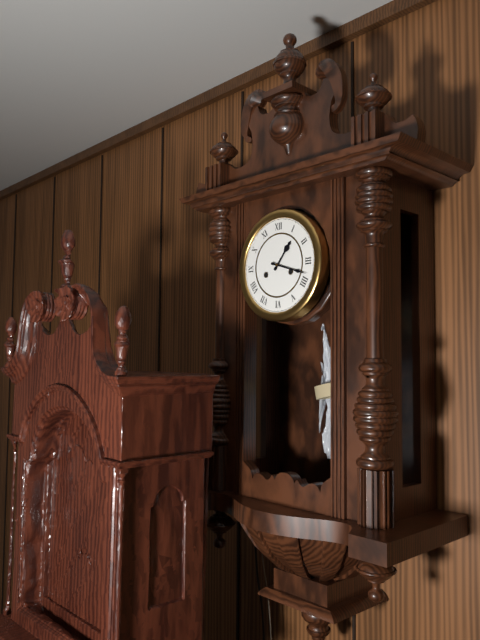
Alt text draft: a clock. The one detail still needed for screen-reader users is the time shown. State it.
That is 1:18
